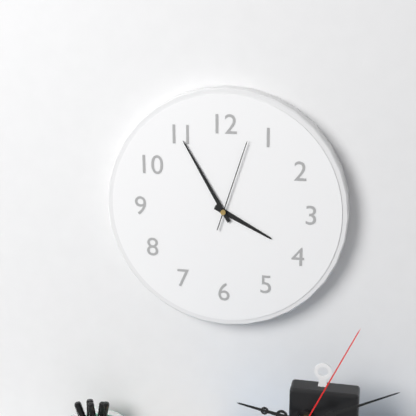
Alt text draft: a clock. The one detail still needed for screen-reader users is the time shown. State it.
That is 3:55:03
